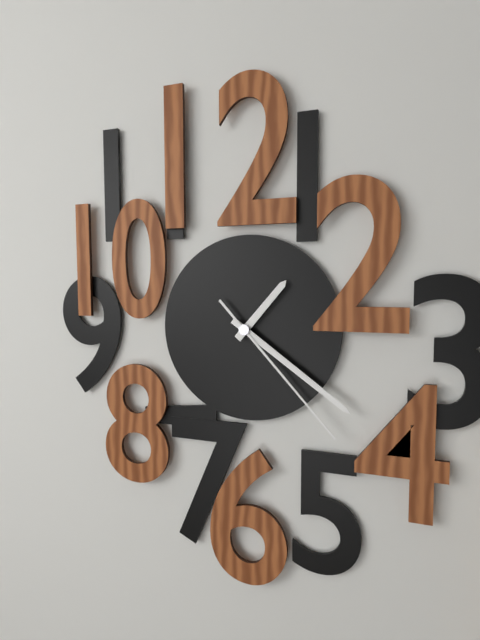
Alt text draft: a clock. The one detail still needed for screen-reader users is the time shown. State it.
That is 1:21:23
